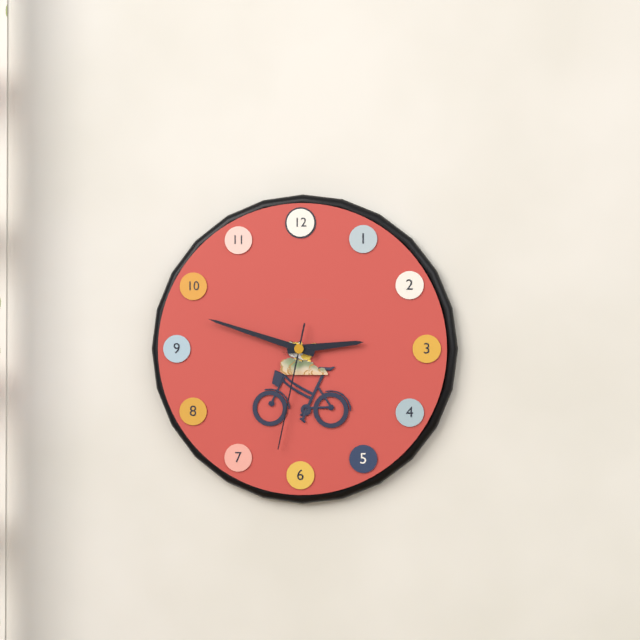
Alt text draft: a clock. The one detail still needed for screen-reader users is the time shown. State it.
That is 2:48:32
